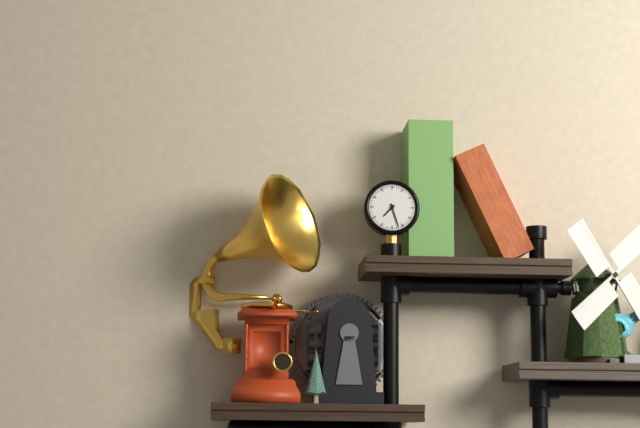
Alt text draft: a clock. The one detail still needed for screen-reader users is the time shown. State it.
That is 7:27
